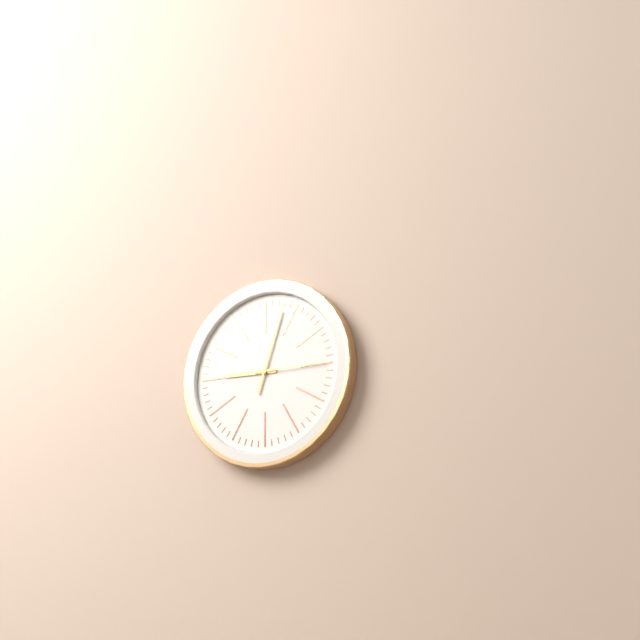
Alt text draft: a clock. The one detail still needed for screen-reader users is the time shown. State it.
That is 9:03:15
